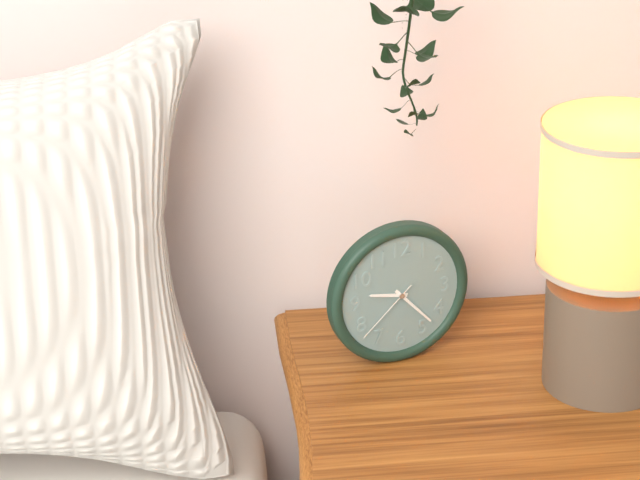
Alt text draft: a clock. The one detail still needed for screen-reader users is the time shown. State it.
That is 9:23:38
